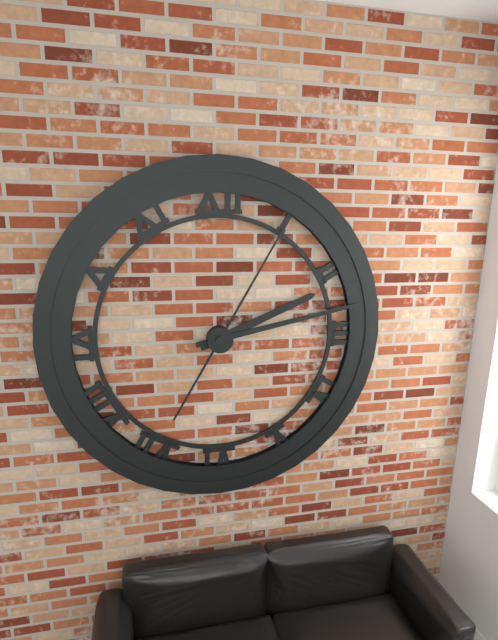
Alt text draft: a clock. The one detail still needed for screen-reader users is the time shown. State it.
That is 2:13:05
